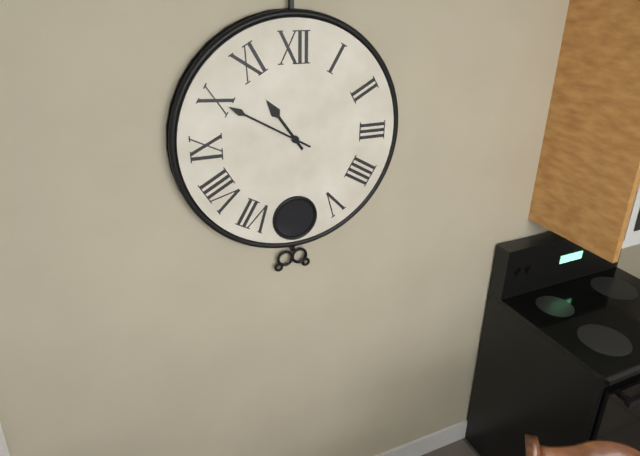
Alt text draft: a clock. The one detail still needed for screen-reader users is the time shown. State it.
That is 10:50
